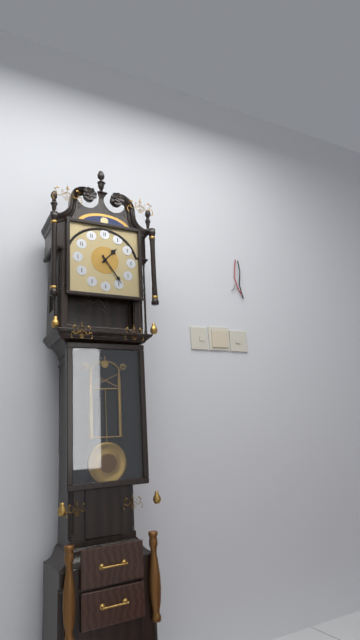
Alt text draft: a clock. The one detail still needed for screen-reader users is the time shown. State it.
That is 1:24
